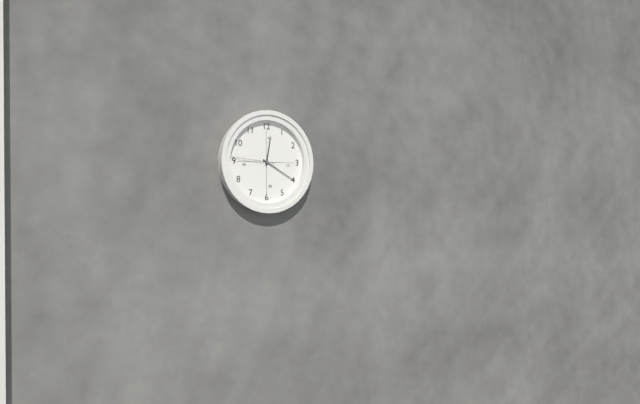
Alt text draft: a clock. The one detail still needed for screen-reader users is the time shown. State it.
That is 12:20
